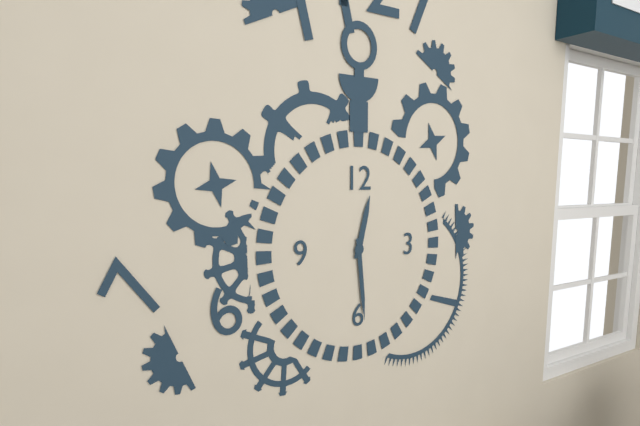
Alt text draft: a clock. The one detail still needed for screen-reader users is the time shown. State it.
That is 12:29
